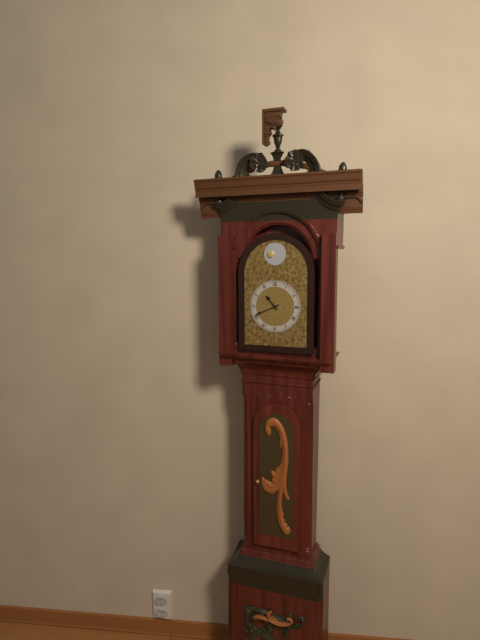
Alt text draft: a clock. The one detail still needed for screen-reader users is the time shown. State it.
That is 10:41
